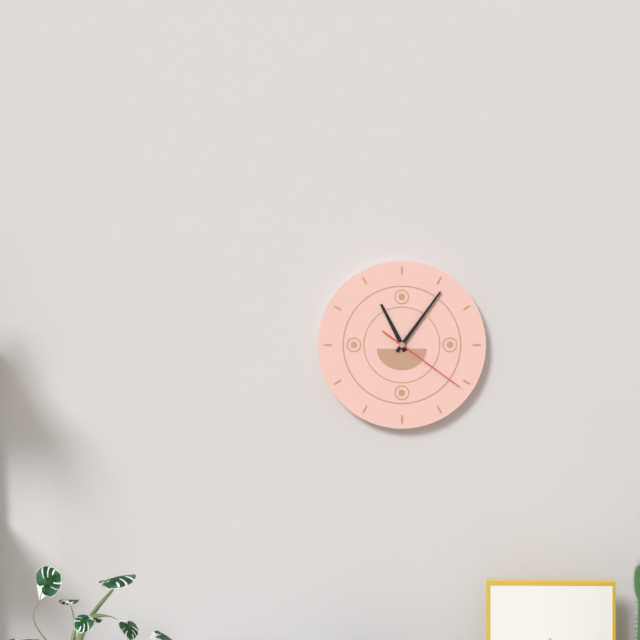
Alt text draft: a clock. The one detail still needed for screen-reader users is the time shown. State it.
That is 11:06:21
